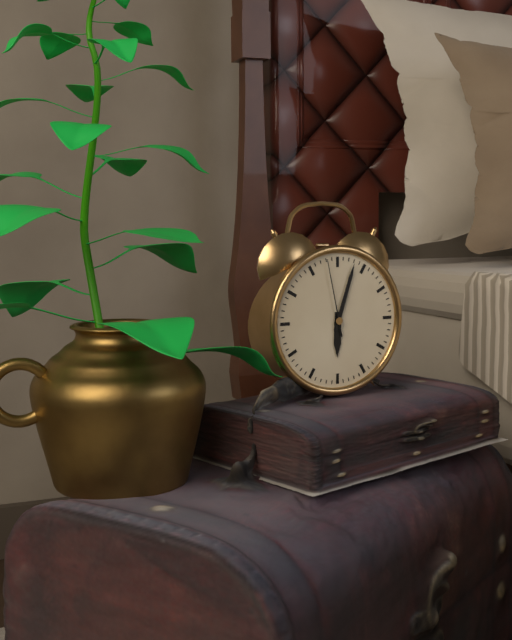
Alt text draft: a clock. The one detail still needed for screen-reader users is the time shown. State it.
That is 6:03:58
